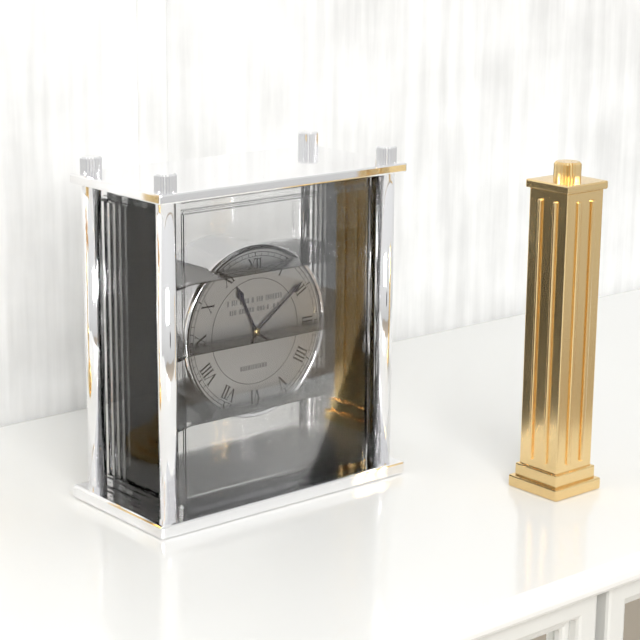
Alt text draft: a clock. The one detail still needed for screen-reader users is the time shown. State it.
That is 11:09
